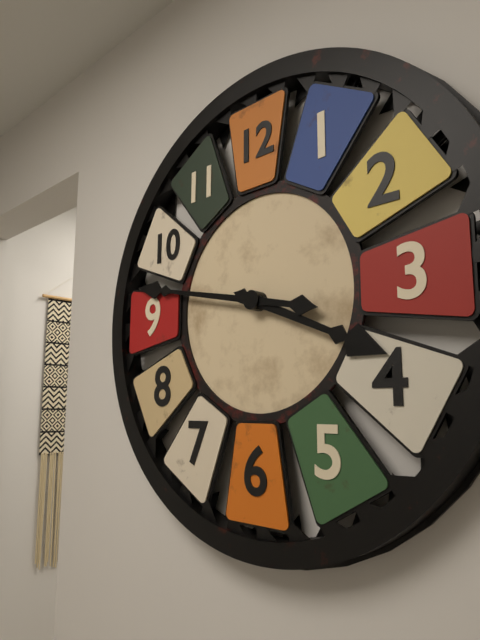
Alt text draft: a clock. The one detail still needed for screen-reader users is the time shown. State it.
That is 3:47
